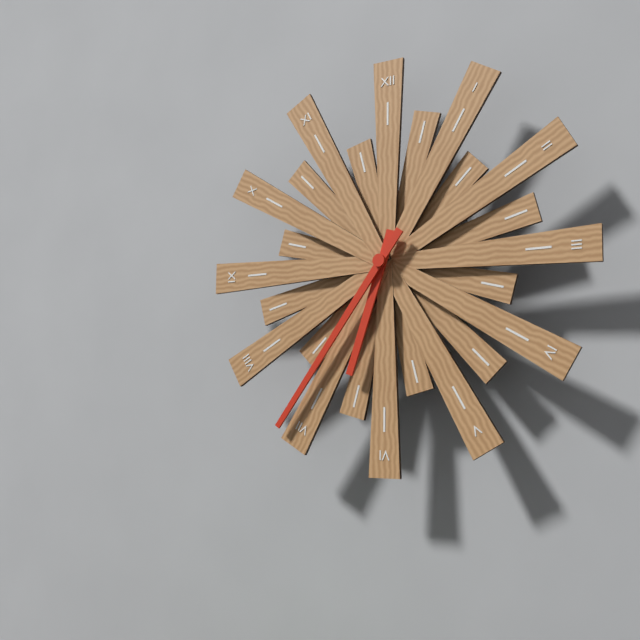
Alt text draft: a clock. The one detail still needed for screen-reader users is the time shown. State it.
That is 6:36
